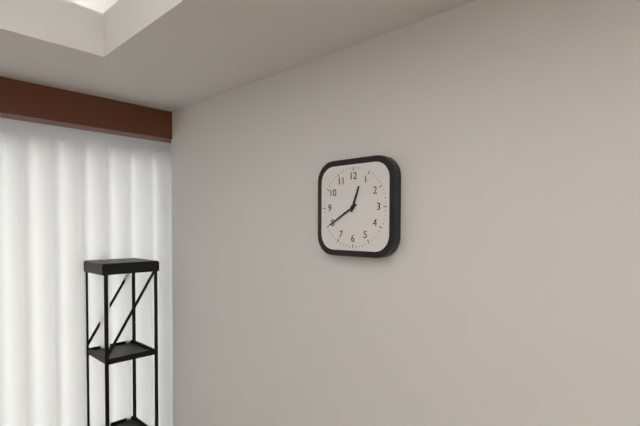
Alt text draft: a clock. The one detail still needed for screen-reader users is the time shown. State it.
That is 12:40
